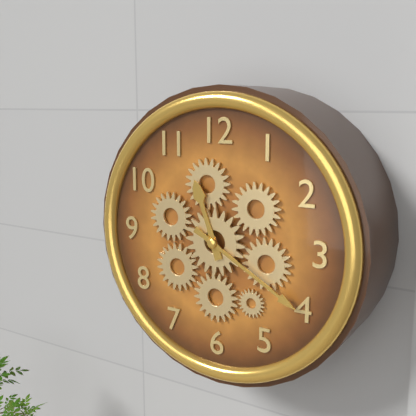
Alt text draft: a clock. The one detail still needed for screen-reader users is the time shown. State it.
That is 11:20
